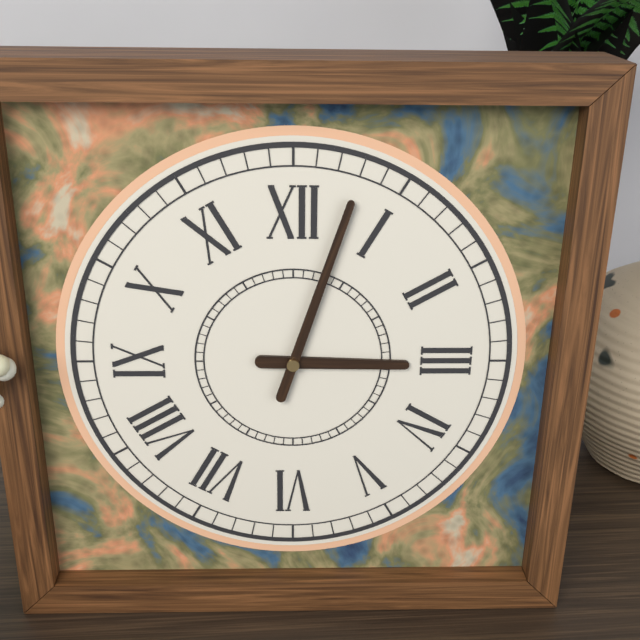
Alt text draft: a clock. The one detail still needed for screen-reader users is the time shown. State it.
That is 3:03
